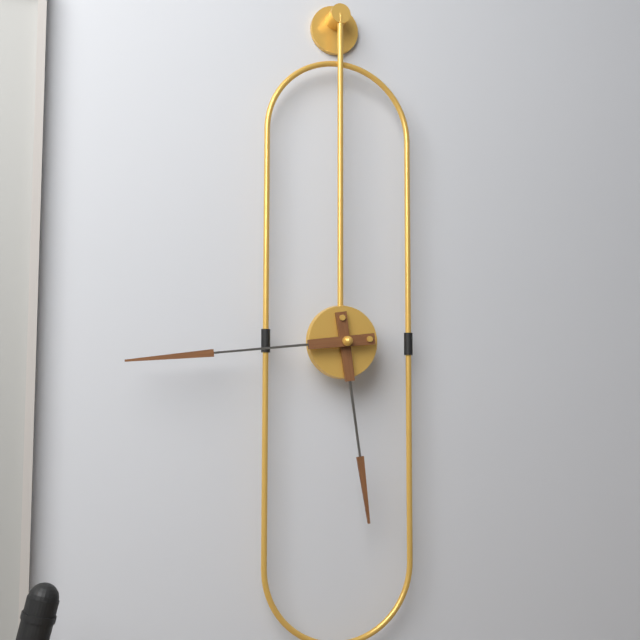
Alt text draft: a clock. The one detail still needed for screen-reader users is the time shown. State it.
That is 5:44
